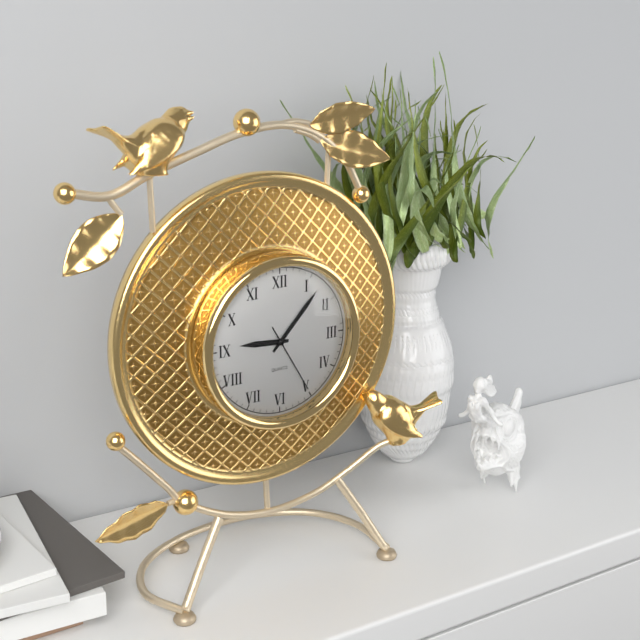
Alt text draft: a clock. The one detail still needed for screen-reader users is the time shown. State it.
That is 9:07:25
